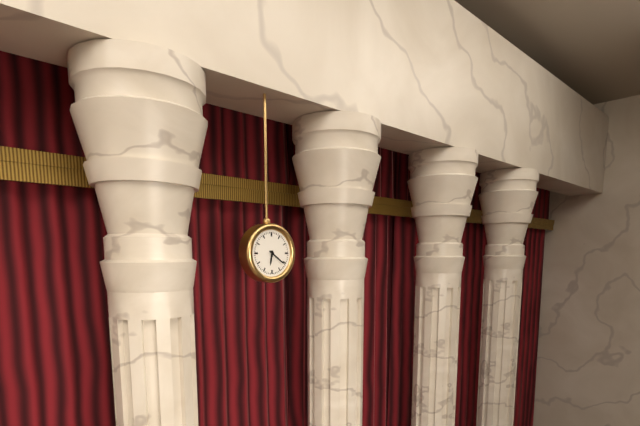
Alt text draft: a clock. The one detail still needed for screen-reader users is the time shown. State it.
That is 6:21
